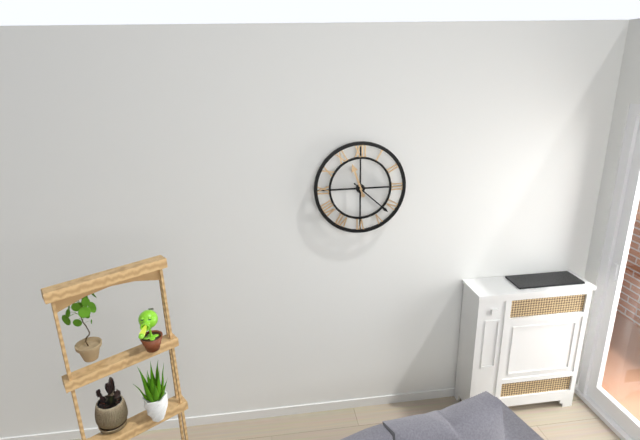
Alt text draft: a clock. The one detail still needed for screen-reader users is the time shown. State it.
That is 11:22
